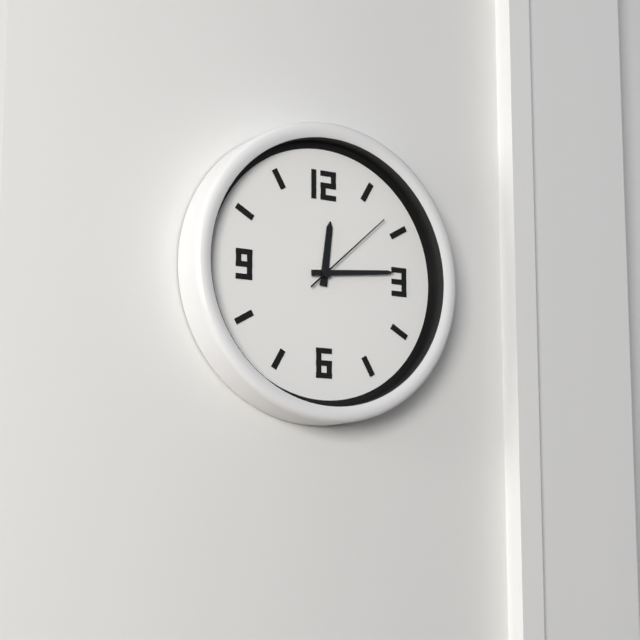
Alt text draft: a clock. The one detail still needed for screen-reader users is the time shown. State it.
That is 12:14:08
